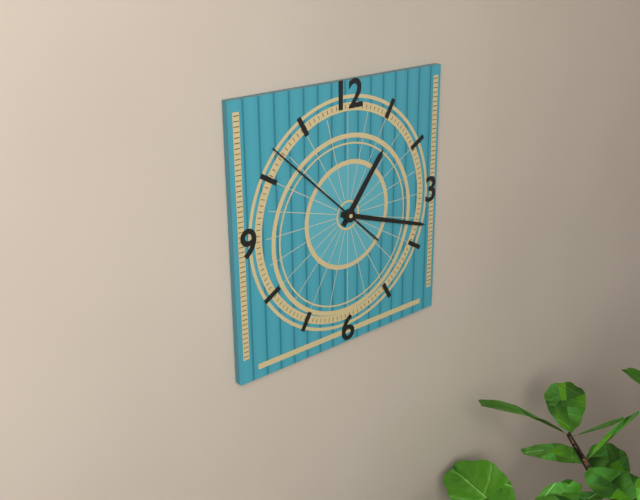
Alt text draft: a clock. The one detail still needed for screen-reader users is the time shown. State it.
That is 1:18:52
